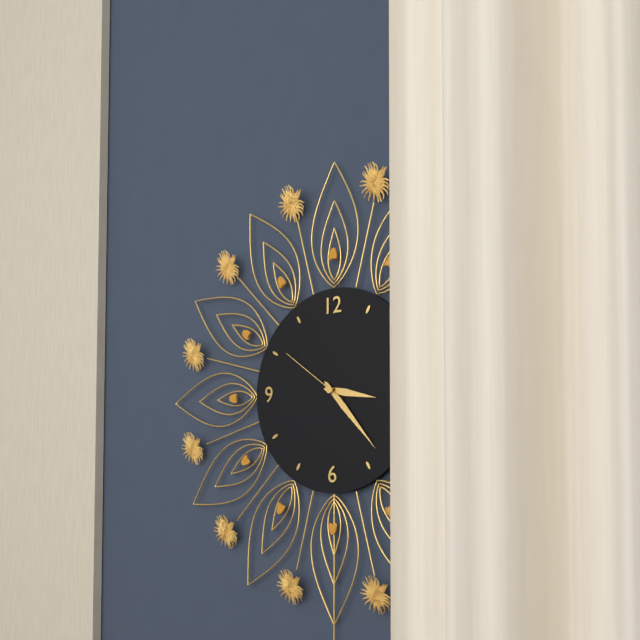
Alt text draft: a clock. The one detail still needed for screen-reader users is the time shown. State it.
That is 3:23:51
